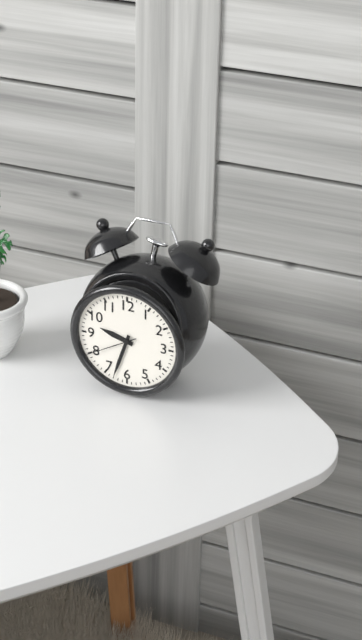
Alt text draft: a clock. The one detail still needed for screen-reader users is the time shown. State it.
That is 9:33:40
